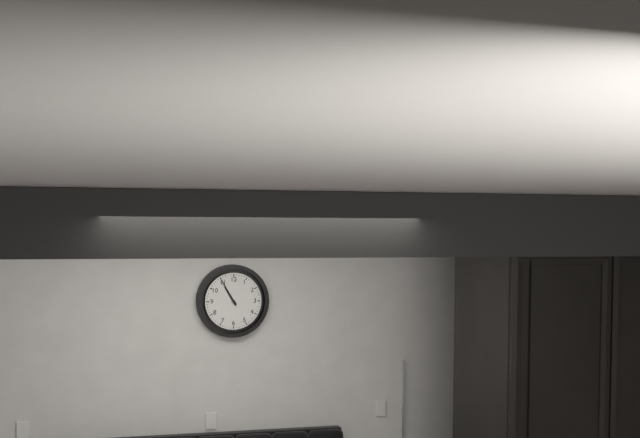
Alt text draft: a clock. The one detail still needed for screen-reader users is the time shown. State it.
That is 10:55
